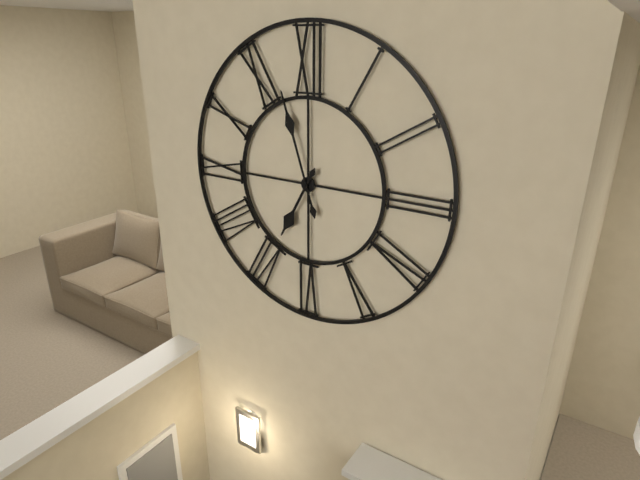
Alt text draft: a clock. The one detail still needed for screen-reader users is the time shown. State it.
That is 6:57
